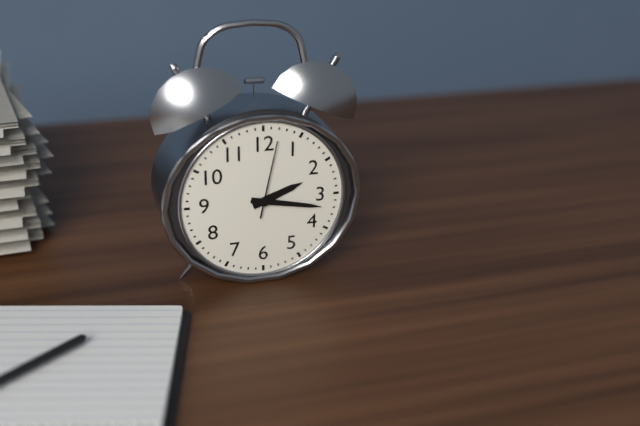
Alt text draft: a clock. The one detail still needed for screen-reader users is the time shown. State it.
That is 2:17:02
